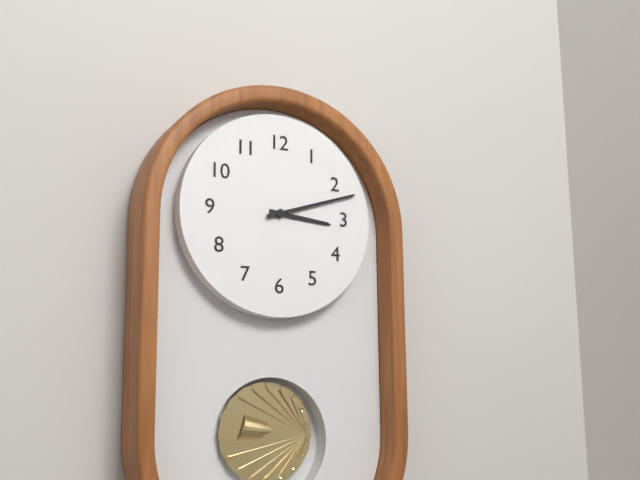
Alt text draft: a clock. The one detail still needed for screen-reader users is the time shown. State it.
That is 3:12
